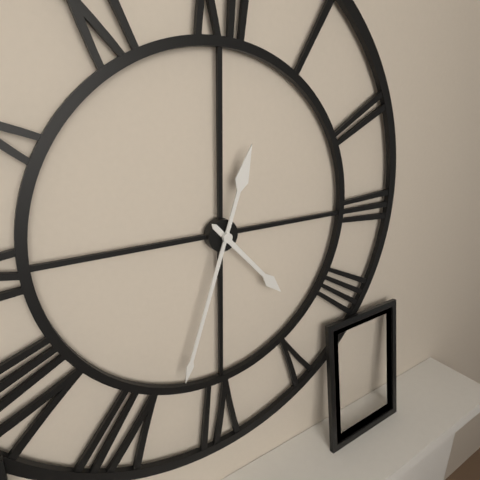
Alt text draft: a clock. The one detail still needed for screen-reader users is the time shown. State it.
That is 4:33
